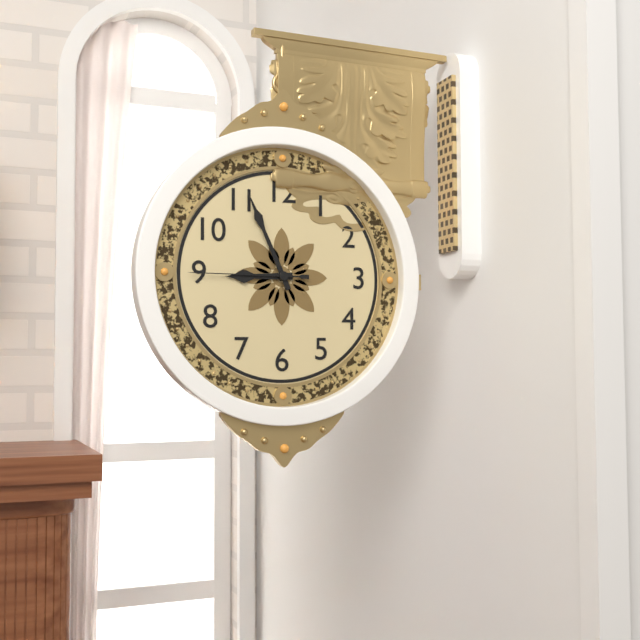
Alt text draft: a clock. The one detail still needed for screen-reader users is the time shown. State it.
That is 8:56:45
